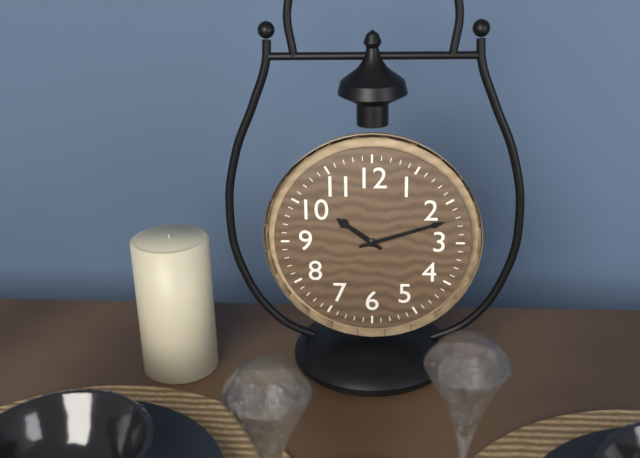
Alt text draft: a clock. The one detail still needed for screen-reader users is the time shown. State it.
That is 10:12
